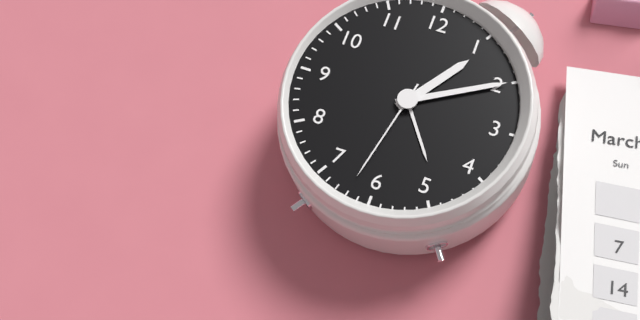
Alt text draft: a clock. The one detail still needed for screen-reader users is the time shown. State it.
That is 1:10:32
